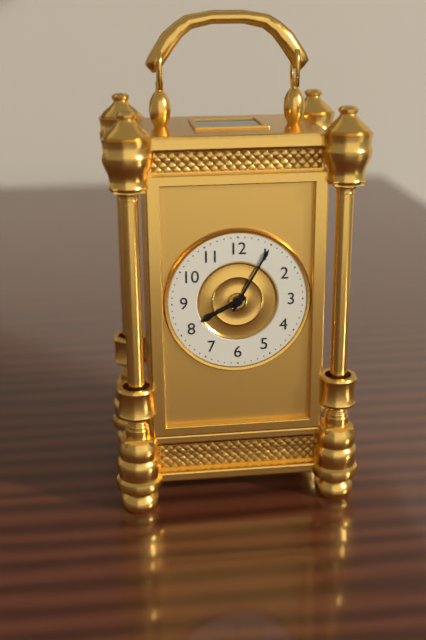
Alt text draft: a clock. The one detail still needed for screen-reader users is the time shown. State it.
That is 8:05
